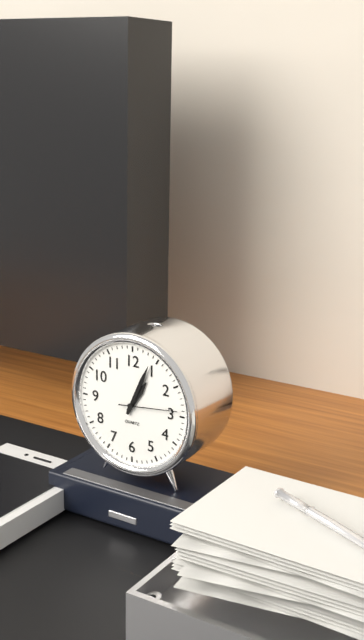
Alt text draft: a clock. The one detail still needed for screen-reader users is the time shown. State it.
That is 1:04:14
